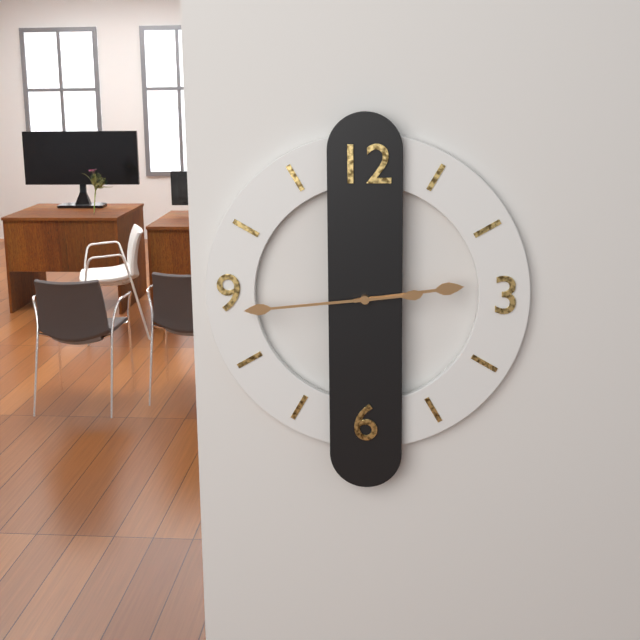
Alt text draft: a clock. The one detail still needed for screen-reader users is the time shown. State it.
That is 2:44
